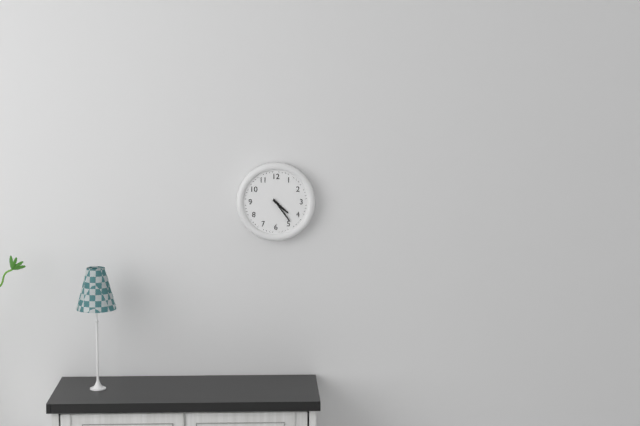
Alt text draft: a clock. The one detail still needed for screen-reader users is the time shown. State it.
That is 4:24
